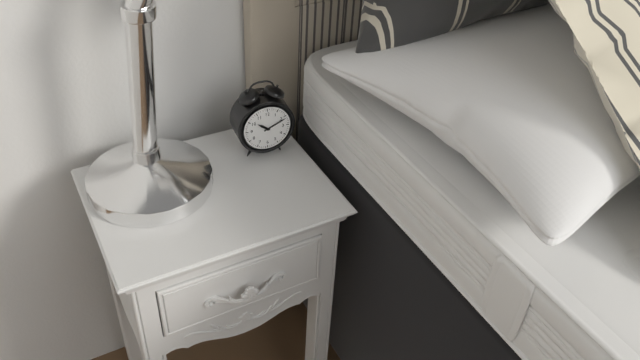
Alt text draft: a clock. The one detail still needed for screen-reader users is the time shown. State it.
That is 10:11
